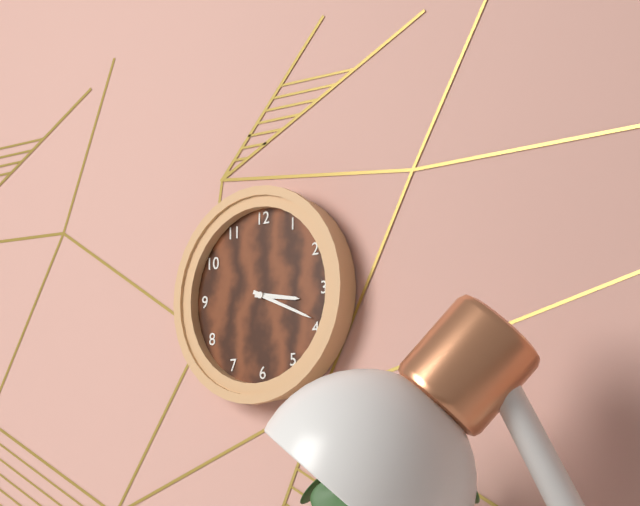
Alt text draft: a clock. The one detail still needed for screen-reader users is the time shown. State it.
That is 3:19
